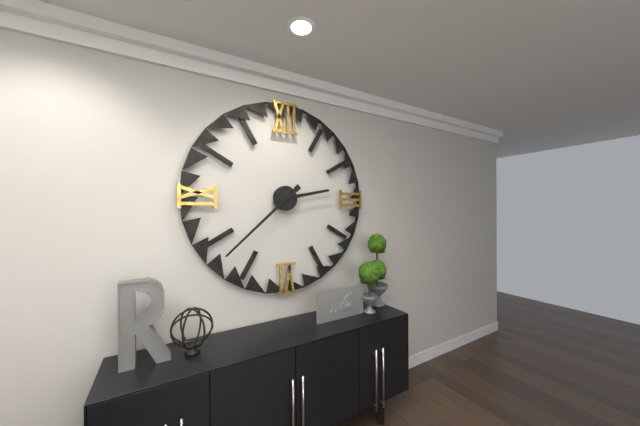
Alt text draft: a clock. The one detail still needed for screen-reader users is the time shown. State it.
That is 2:38
